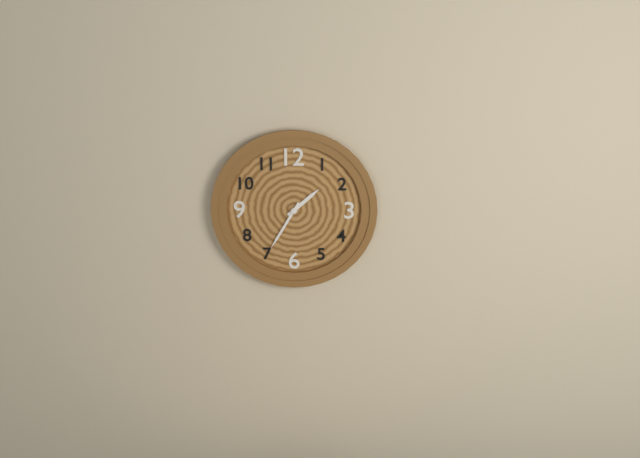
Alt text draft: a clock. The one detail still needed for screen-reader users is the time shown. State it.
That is 1:35
